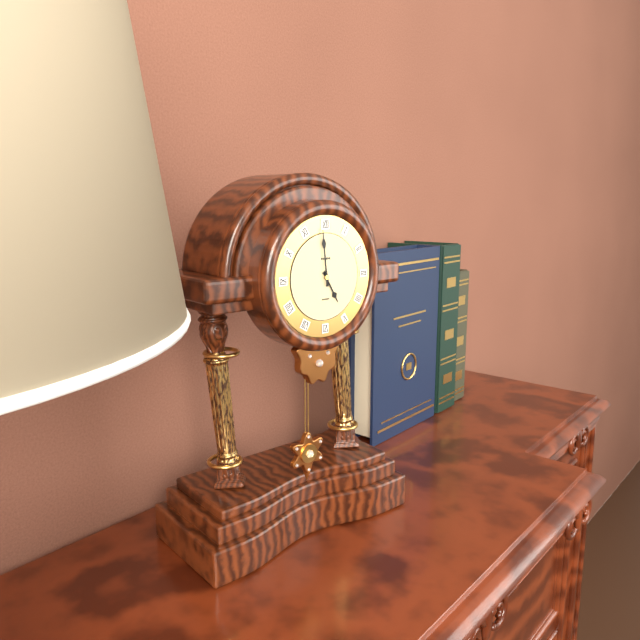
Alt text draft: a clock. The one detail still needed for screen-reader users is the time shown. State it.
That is 4:59
